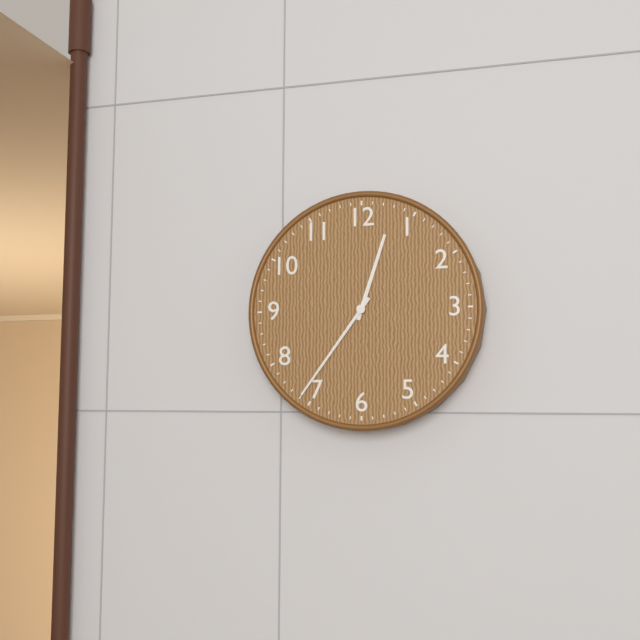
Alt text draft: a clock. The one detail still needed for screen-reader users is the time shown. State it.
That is 12:36
